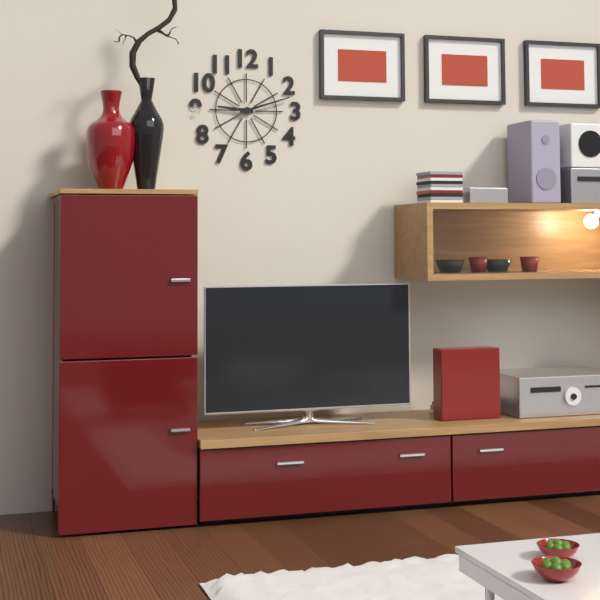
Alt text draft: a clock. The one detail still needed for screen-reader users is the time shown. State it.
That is 9:12
